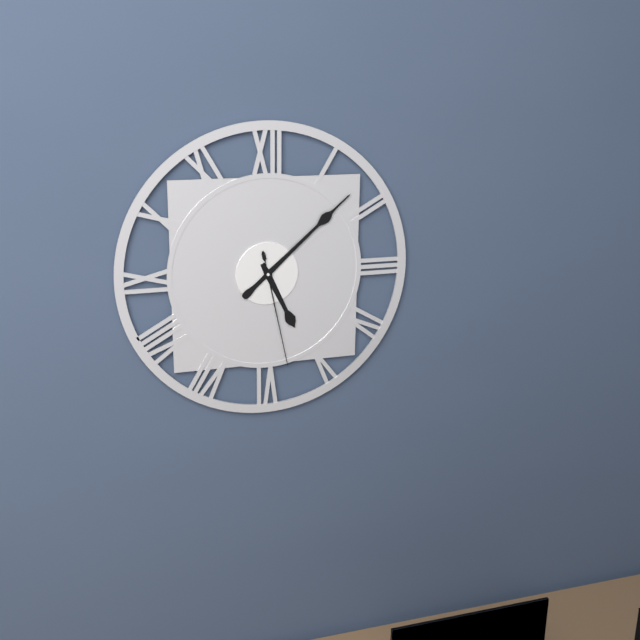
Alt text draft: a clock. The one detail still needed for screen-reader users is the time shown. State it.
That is 5:08:28
